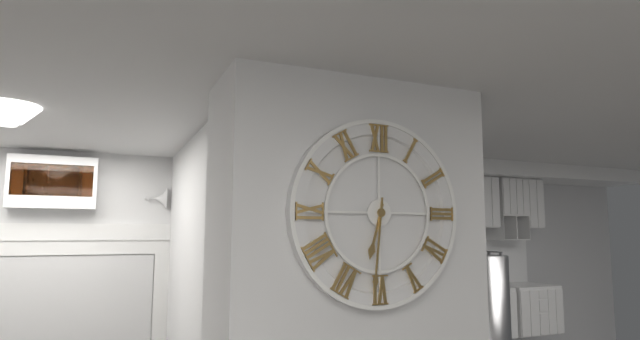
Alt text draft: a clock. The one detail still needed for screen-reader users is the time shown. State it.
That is 6:31
